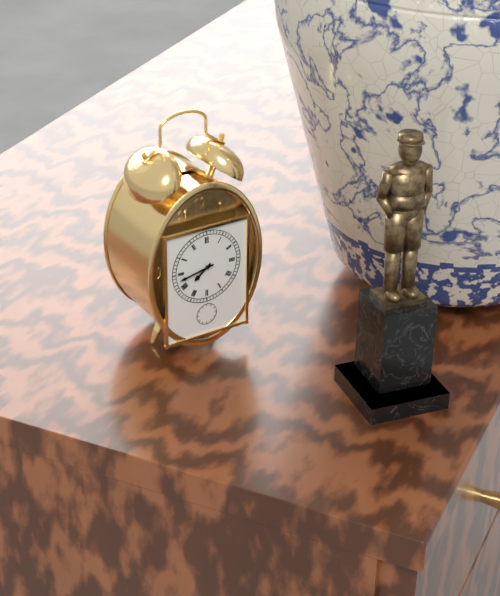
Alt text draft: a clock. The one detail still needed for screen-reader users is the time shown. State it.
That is 7:43
